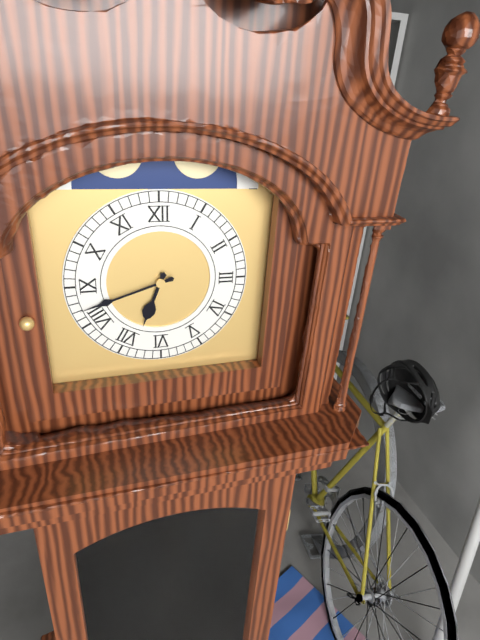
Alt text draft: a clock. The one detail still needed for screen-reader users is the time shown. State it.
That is 6:42
